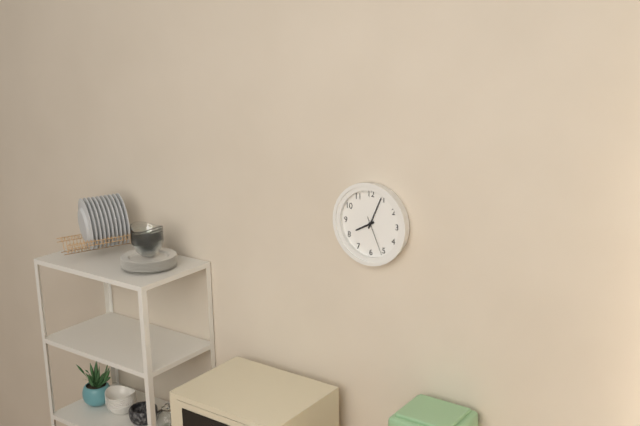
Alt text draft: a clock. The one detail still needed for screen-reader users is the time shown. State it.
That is 8:04
